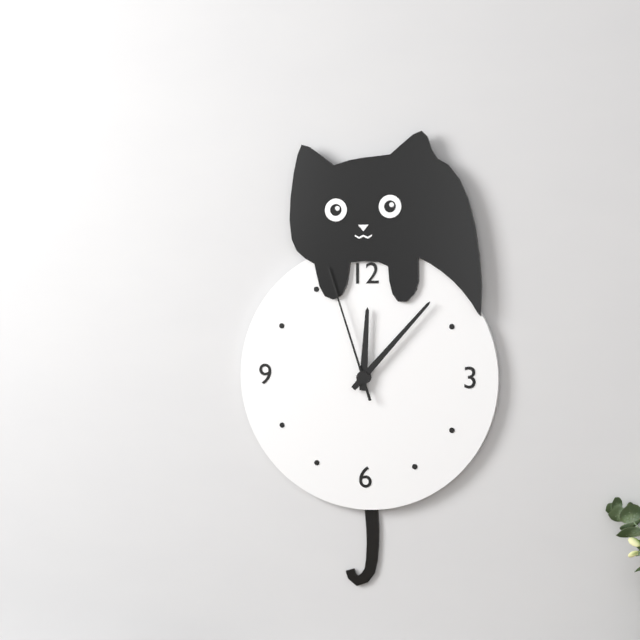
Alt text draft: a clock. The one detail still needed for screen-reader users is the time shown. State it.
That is 12:07:57
